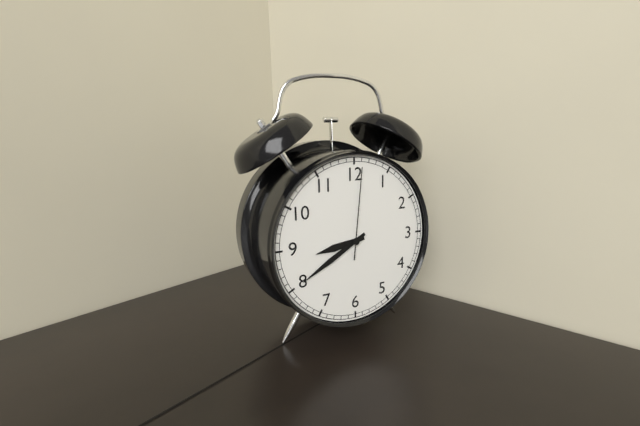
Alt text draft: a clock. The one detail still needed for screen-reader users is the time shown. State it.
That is 8:40:01
